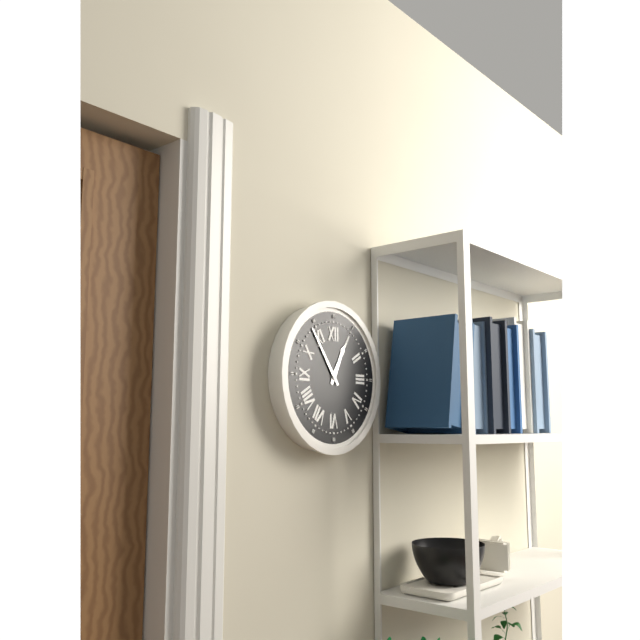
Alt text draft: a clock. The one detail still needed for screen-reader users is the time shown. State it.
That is 12:54
